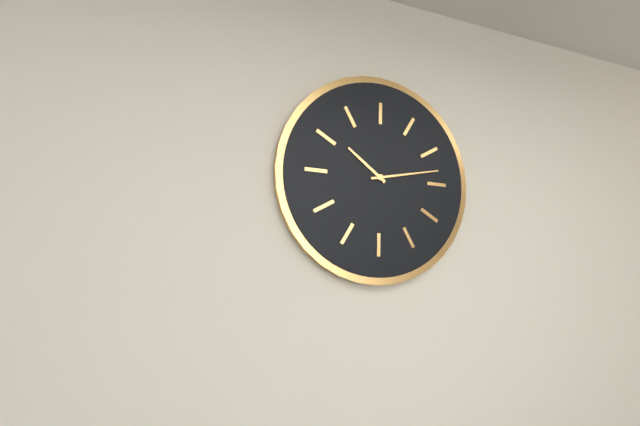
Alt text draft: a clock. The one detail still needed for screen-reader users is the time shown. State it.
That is 10:13
